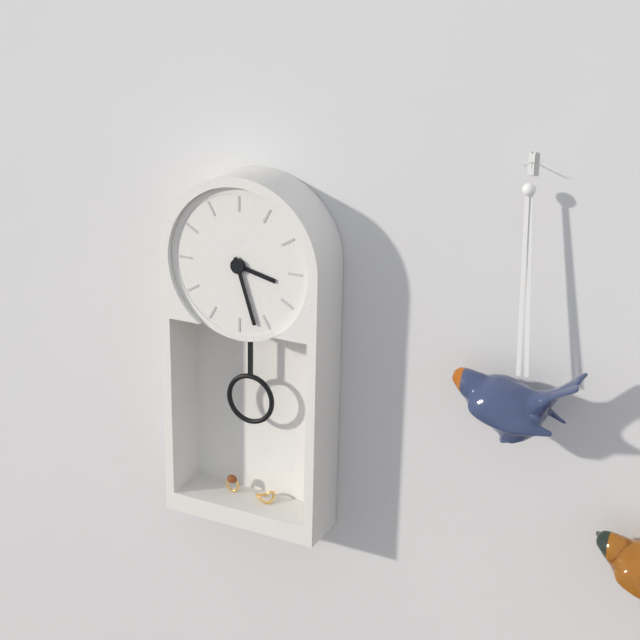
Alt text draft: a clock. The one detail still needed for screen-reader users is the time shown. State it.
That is 3:27
